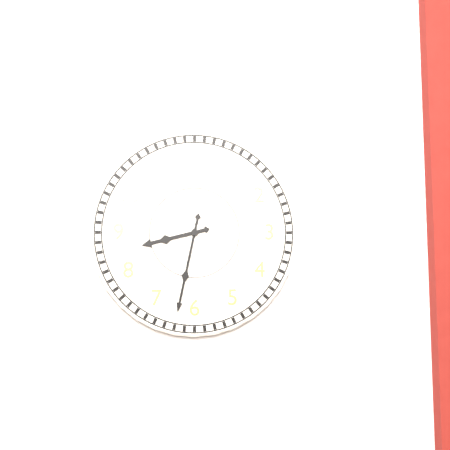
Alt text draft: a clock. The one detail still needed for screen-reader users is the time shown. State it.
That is 8:32
